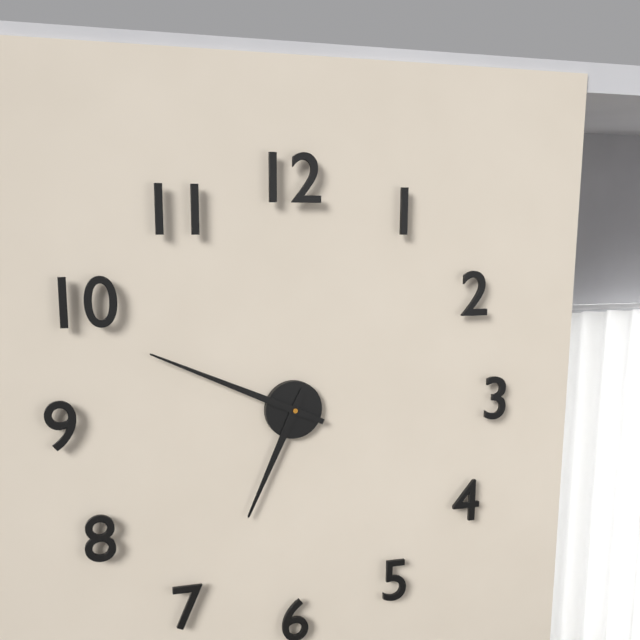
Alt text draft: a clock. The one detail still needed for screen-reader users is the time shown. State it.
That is 6:49
